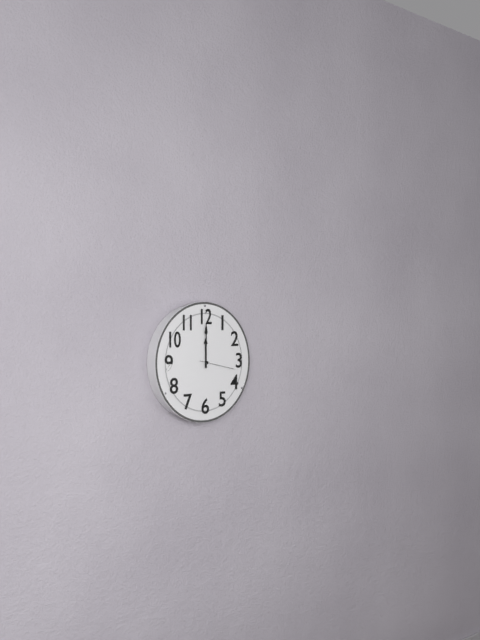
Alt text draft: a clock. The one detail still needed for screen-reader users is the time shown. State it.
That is 12:00
